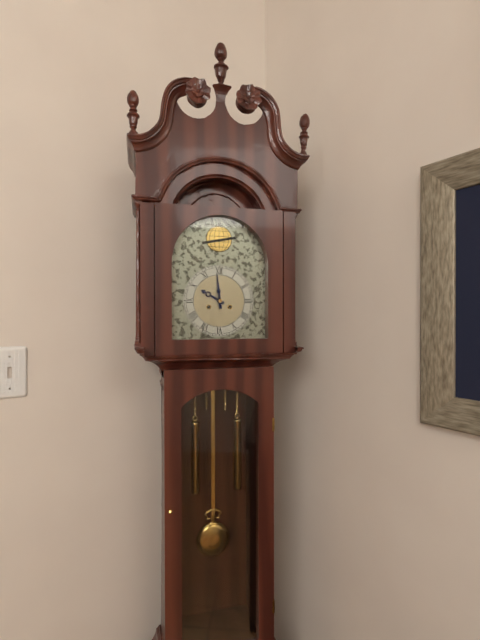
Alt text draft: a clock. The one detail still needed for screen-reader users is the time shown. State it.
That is 9:59
